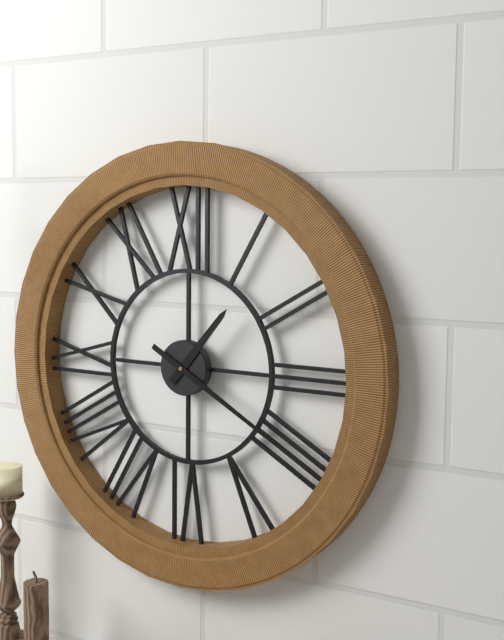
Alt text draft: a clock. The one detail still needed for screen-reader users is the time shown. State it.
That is 1:20
